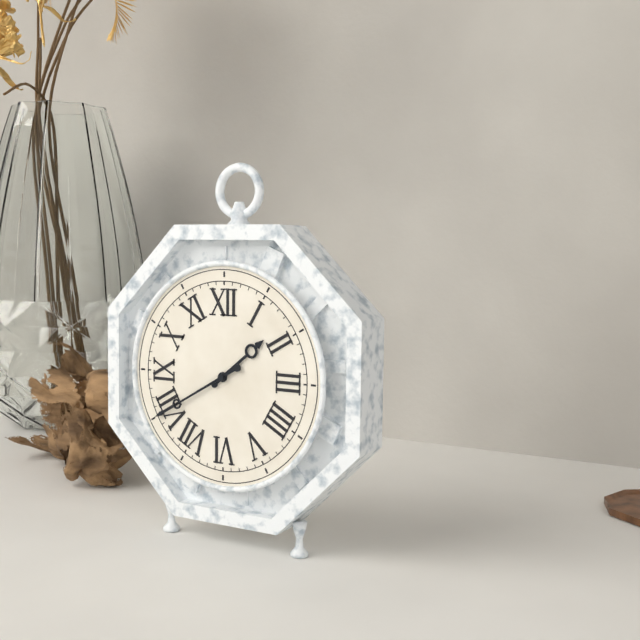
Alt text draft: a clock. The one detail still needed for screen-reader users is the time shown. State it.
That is 1:40
